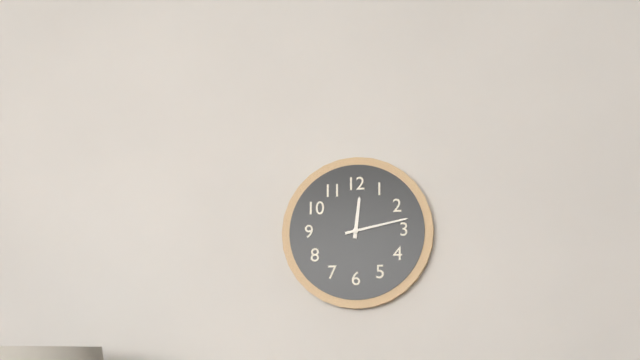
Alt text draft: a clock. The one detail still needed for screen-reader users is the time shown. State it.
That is 12:13
